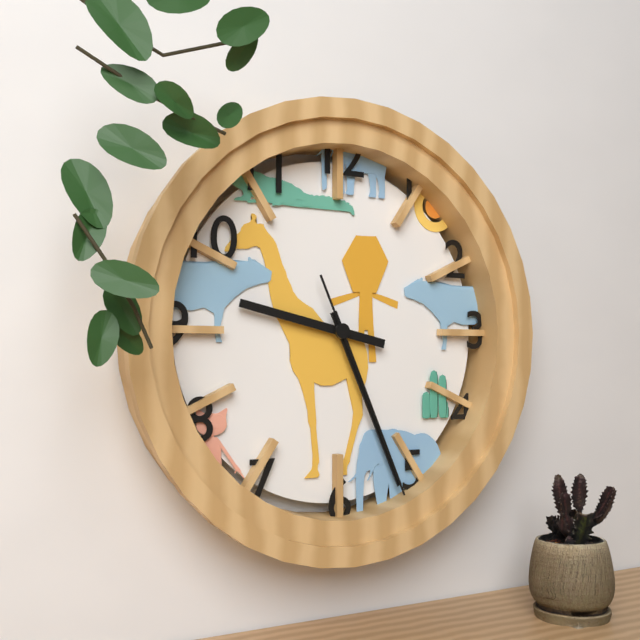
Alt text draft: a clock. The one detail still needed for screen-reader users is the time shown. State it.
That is 9:26:26
